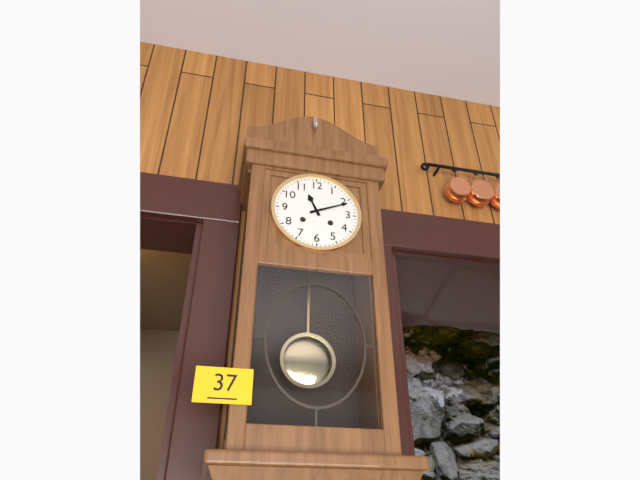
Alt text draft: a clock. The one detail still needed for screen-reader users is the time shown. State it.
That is 11:11
